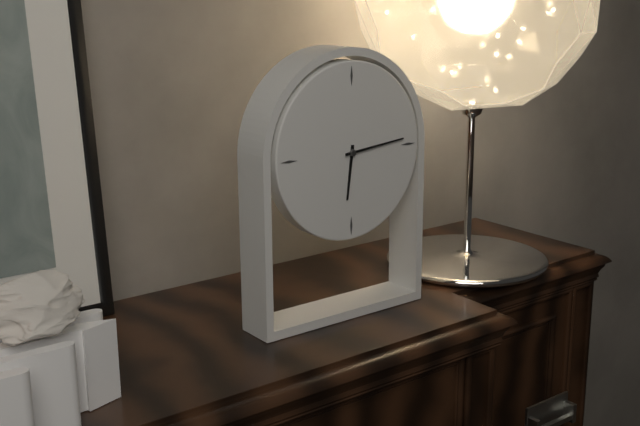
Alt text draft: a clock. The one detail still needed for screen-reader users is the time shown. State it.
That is 6:14
